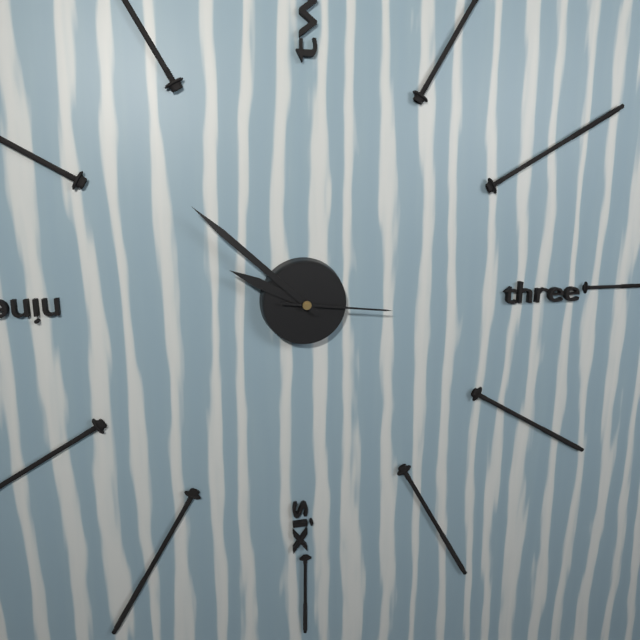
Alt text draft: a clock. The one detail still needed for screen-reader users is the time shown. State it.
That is 9:52:16
